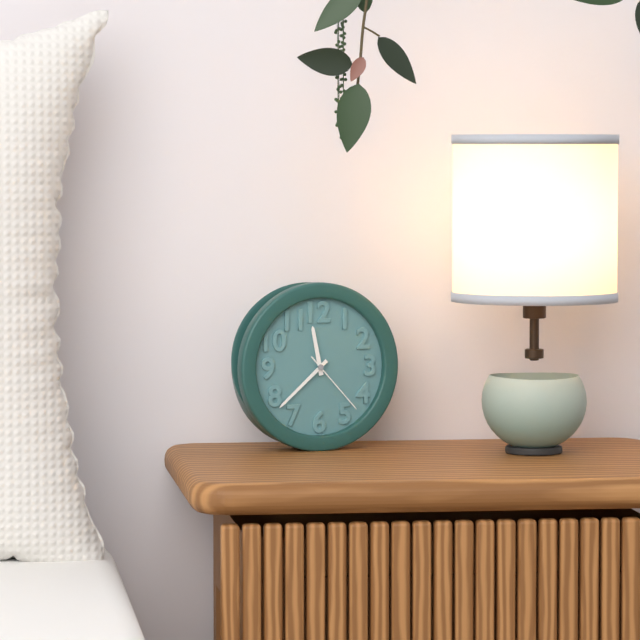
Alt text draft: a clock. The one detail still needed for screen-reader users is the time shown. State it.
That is 11:38:23
